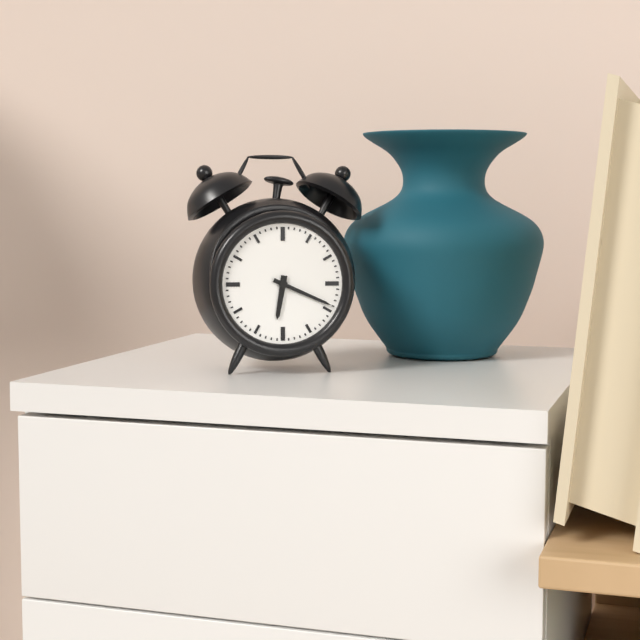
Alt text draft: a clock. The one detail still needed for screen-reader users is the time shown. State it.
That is 6:19
